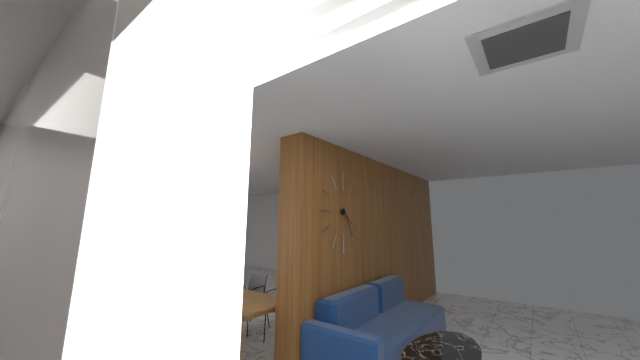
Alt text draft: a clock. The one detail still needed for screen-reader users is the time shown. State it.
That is 4:25
